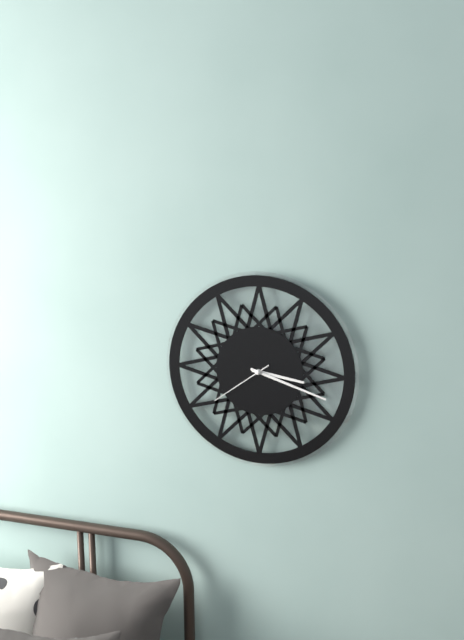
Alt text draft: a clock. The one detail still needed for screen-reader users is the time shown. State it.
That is 3:18:39
